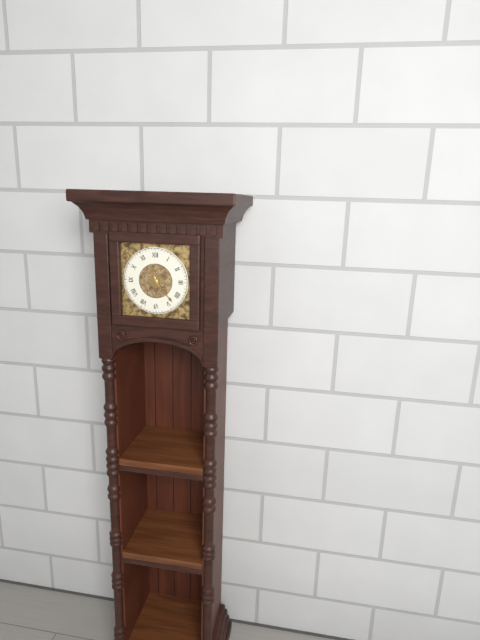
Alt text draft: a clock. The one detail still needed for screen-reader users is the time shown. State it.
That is 11:23
